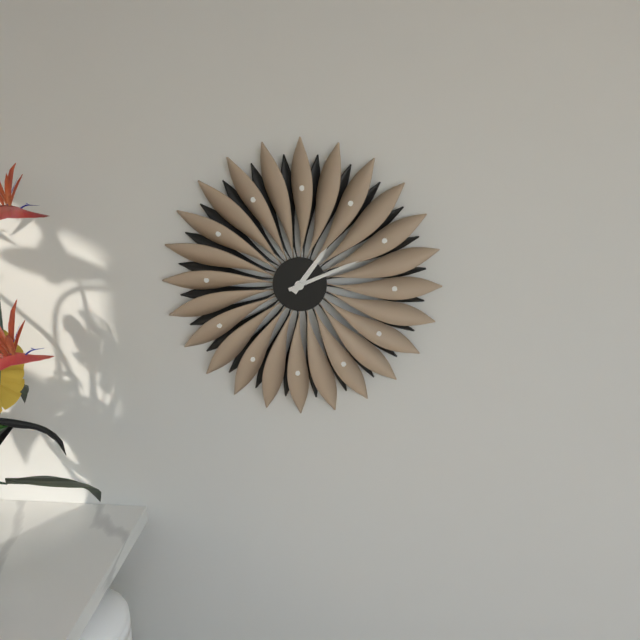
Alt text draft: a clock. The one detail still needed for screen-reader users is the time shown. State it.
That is 1:11
